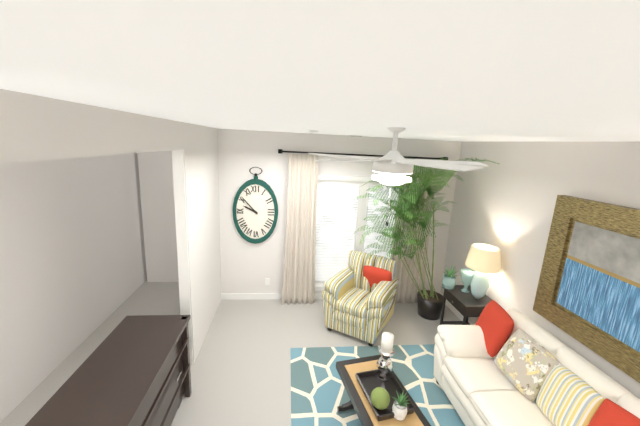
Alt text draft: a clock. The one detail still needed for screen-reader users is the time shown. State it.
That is 9:53
